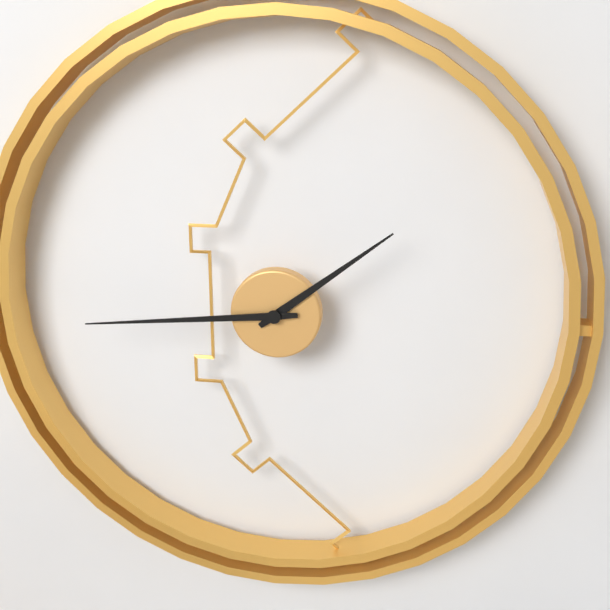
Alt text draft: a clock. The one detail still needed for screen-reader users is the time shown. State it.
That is 1:44
